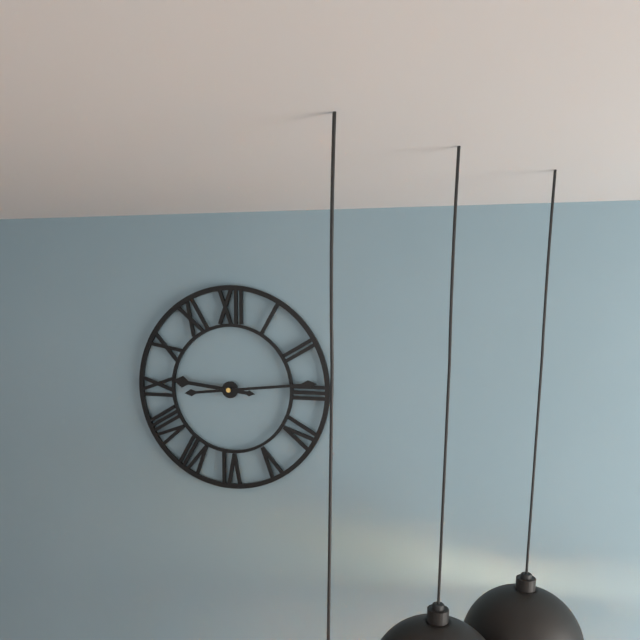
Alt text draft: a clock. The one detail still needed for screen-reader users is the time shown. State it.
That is 9:14
